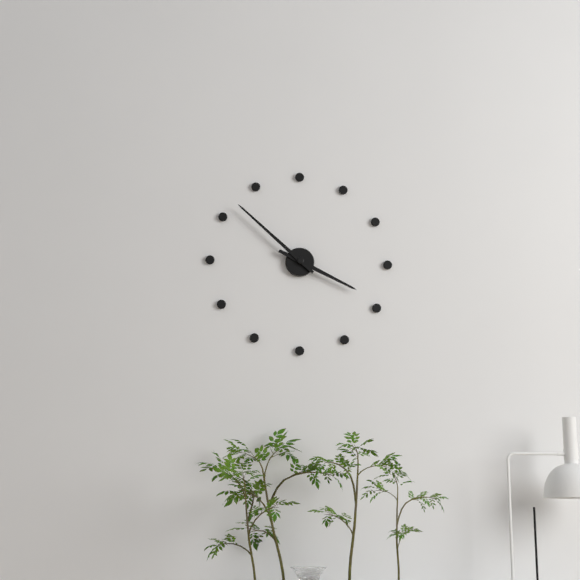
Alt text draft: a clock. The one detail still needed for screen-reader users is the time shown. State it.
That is 3:52
